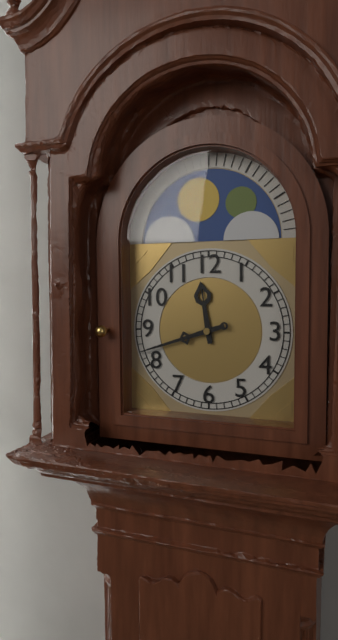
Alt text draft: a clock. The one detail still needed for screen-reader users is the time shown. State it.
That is 11:42
